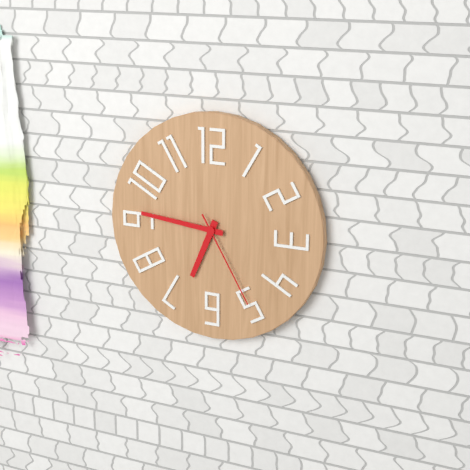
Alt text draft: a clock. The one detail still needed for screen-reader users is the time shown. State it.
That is 6:46:25
